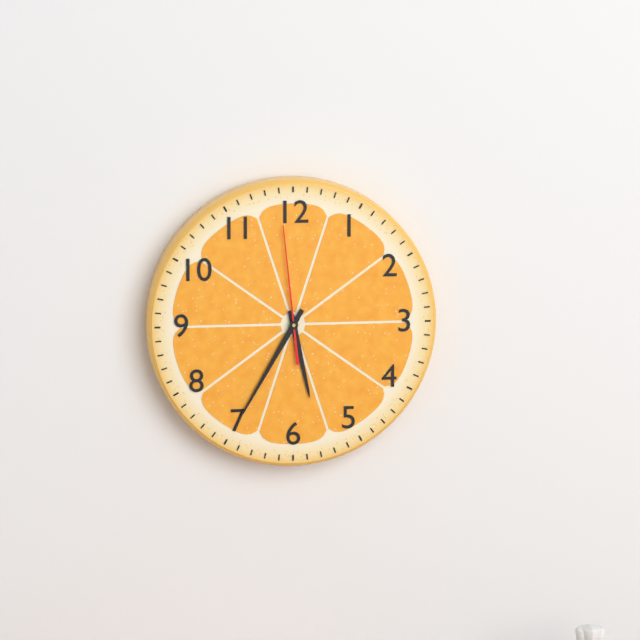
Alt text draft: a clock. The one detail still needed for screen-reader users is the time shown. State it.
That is 5:35:59
